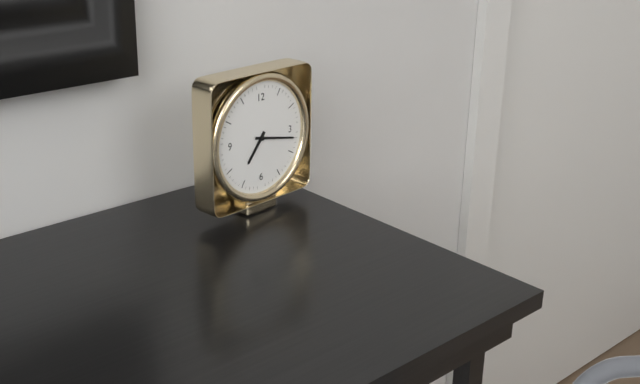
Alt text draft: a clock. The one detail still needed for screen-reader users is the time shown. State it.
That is 7:17
